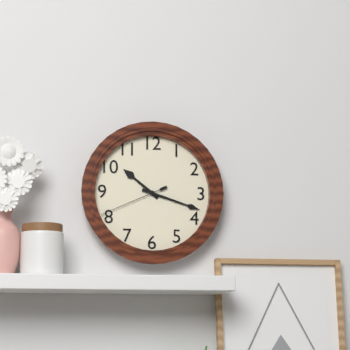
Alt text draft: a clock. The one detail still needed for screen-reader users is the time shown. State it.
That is 10:18:41
